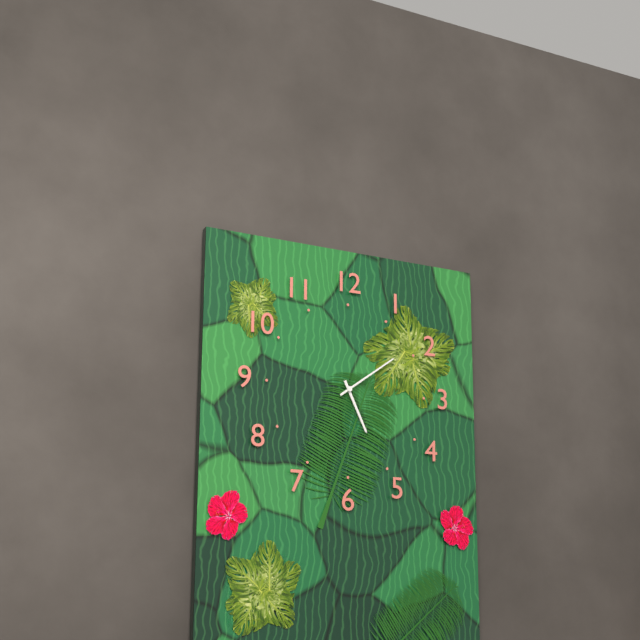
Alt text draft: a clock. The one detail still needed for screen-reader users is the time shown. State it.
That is 5:09
